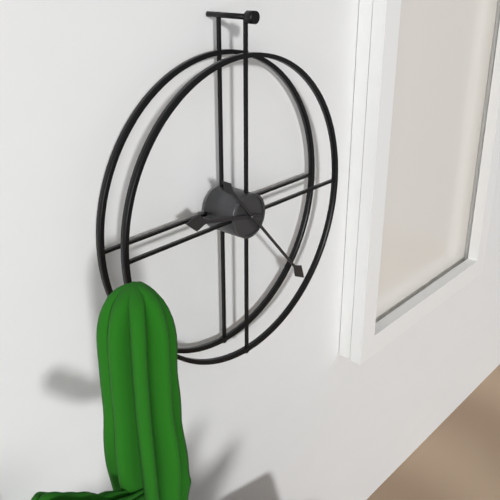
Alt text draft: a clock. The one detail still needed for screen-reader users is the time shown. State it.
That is 9:23
